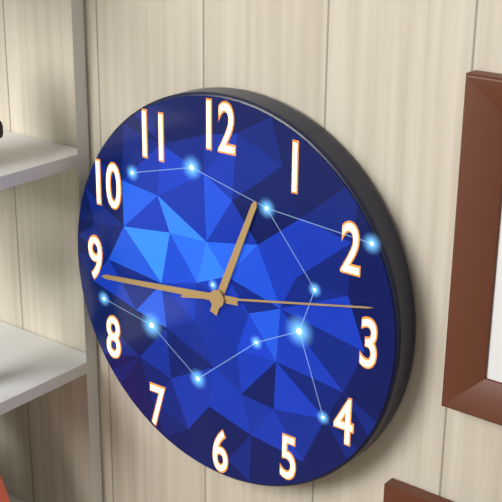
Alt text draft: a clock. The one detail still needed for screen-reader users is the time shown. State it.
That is 12:44:13
